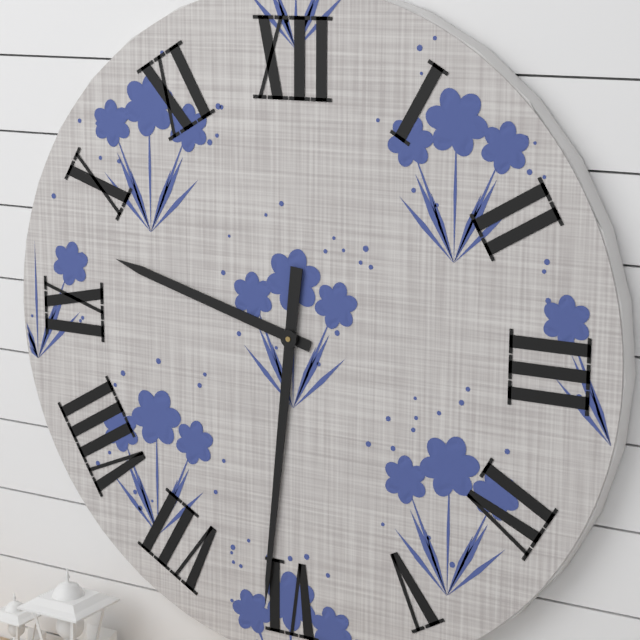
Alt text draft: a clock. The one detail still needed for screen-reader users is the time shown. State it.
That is 9:31
